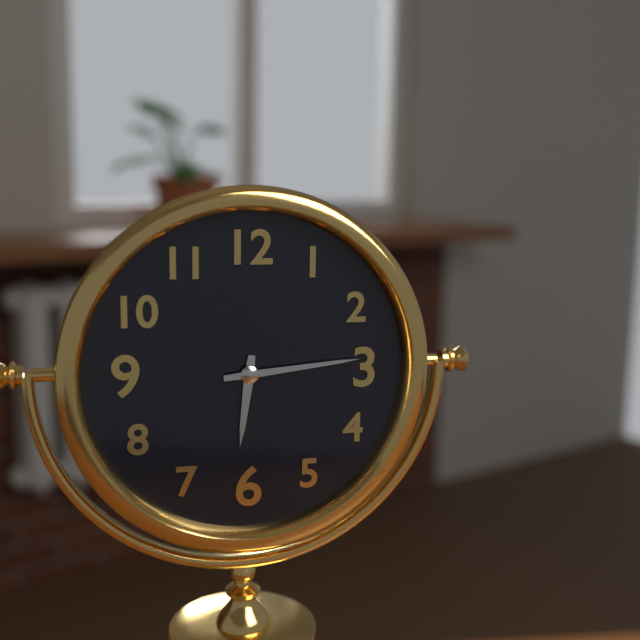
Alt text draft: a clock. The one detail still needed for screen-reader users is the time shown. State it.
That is 6:14
